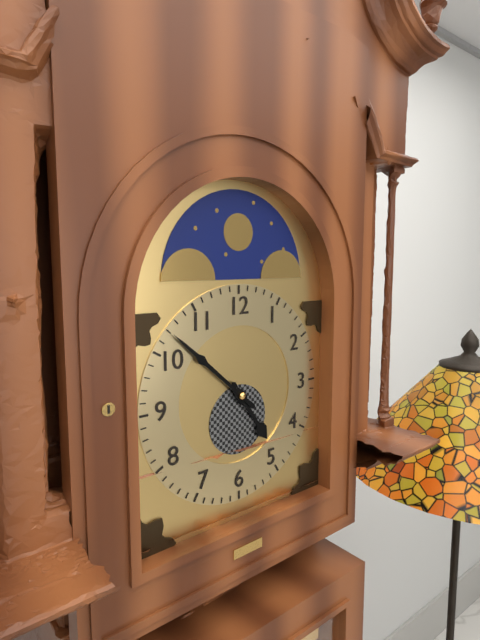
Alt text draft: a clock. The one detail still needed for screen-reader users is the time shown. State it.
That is 4:52
